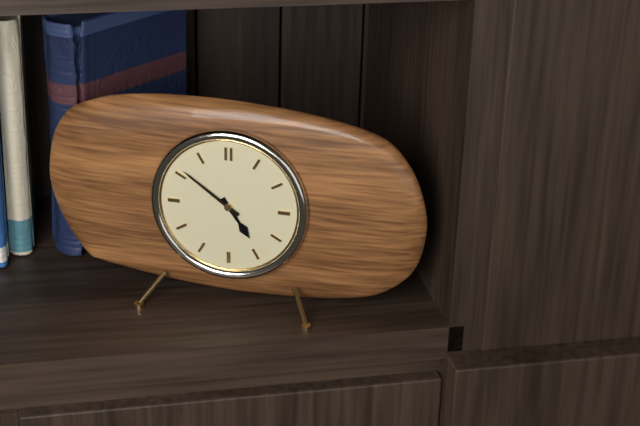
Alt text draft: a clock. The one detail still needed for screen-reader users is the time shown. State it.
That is 4:51
